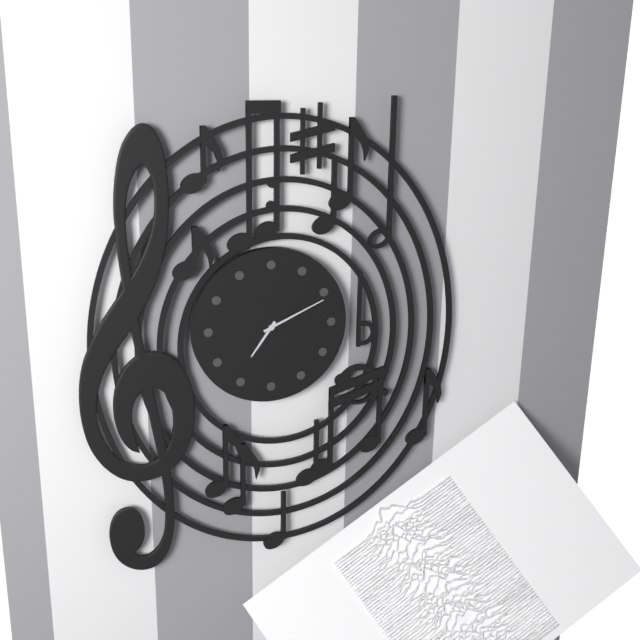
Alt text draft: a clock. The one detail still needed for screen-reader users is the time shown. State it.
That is 7:11
